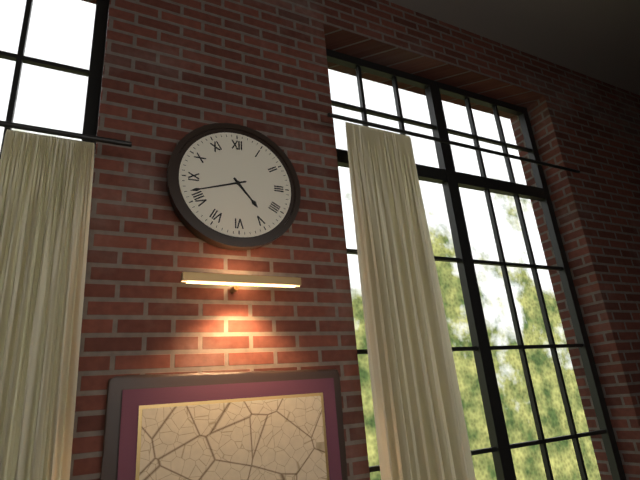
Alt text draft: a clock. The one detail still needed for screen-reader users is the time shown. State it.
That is 4:42
